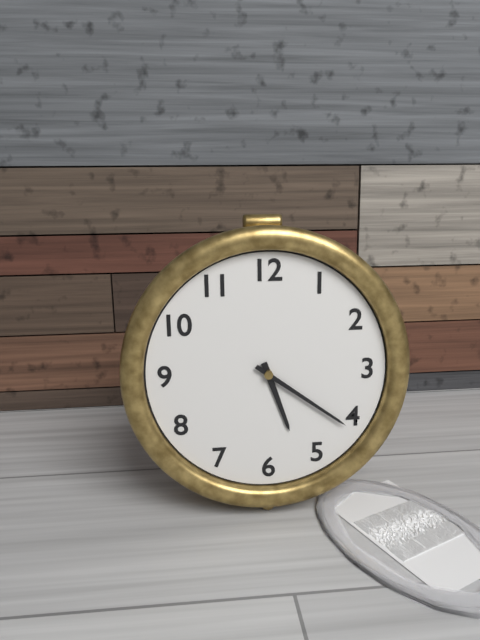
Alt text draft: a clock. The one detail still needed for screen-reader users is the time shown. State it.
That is 5:21
